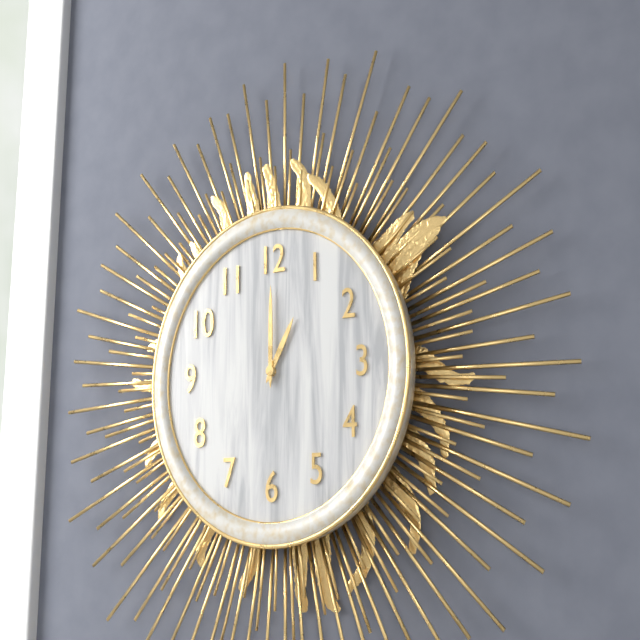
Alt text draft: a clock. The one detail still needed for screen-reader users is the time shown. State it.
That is 1:00
